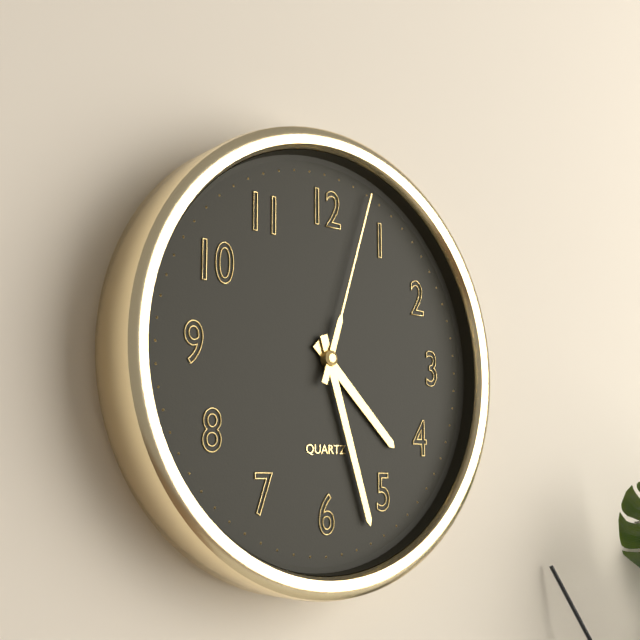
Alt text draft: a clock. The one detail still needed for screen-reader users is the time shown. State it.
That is 4:27:03
